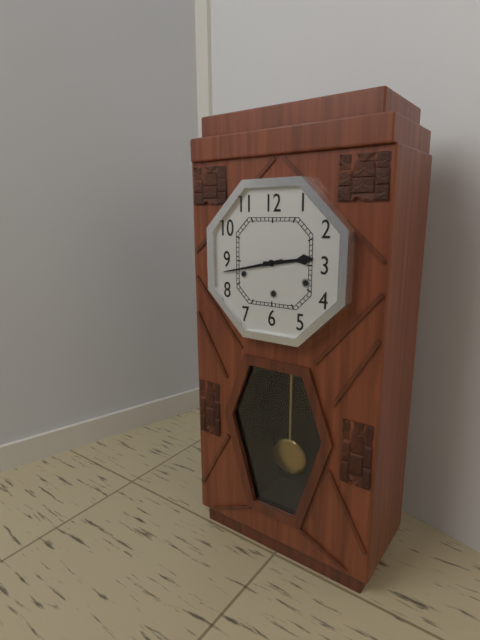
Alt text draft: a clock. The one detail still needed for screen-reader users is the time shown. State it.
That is 2:43
